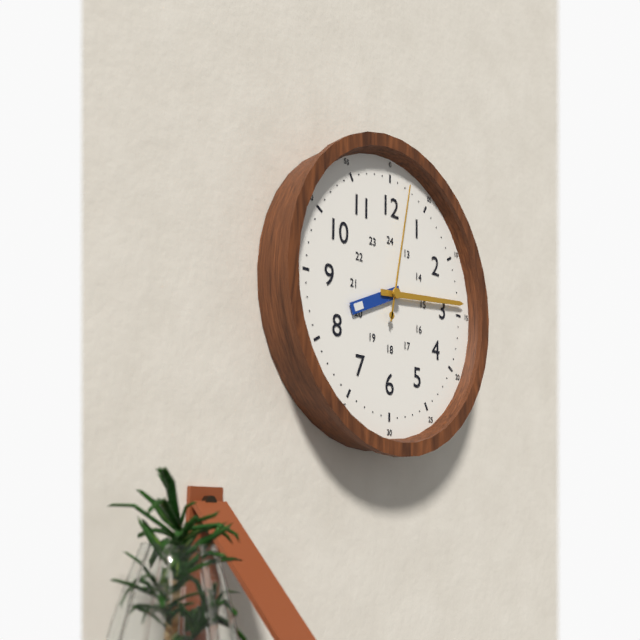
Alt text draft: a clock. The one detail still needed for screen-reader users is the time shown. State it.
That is 8:14:02
